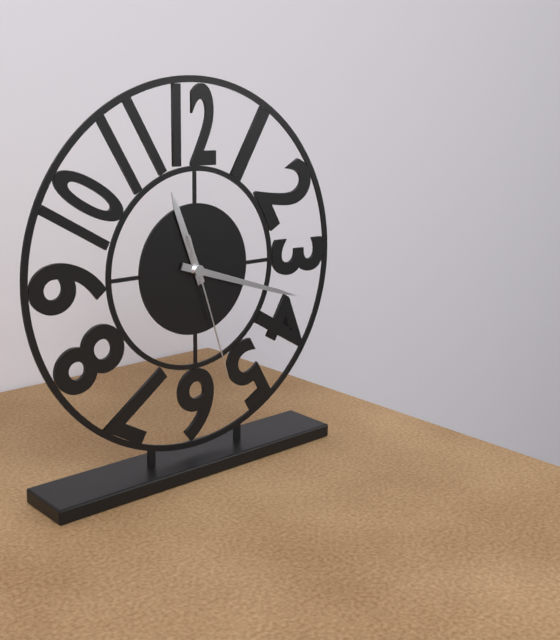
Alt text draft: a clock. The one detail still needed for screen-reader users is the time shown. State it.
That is 11:18:27
